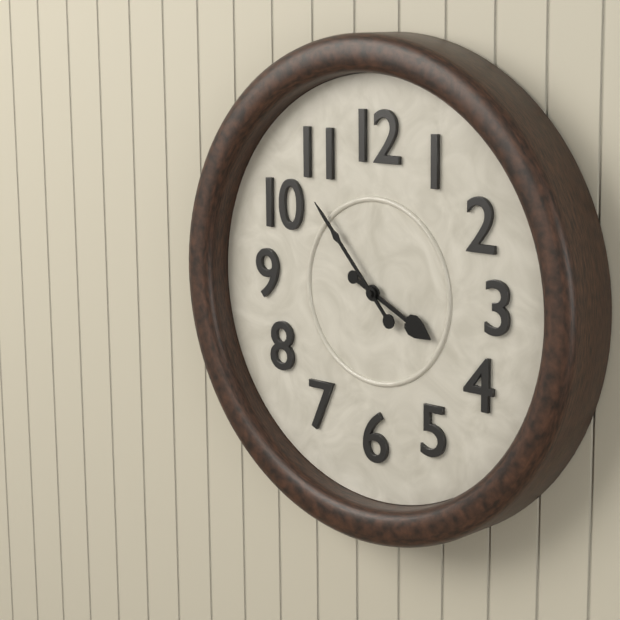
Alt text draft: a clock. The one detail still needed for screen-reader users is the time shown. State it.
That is 3:53
